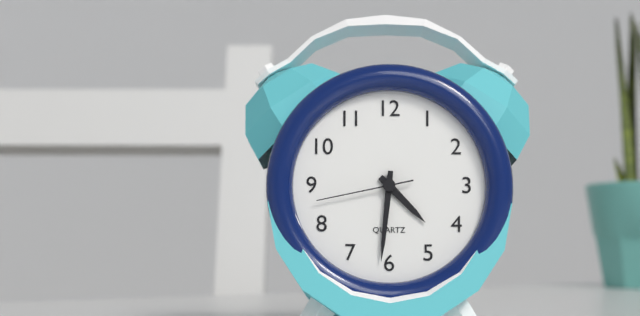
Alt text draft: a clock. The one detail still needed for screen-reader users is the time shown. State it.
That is 4:31:43
